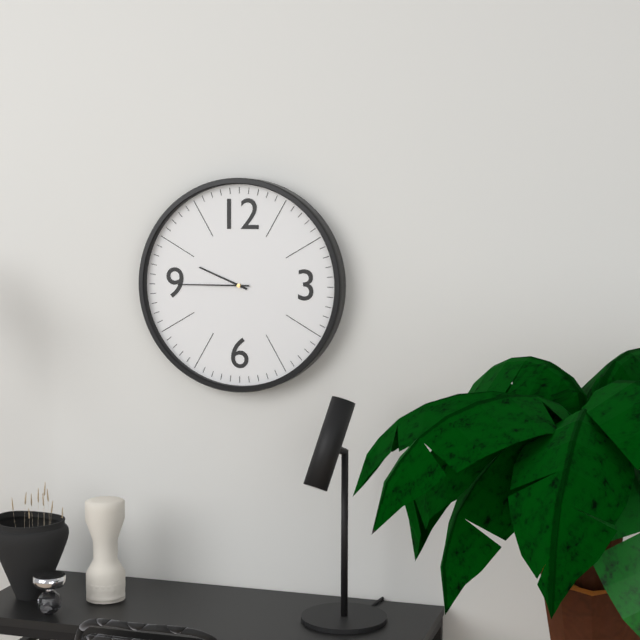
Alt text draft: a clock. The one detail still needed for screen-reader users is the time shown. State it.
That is 9:45
